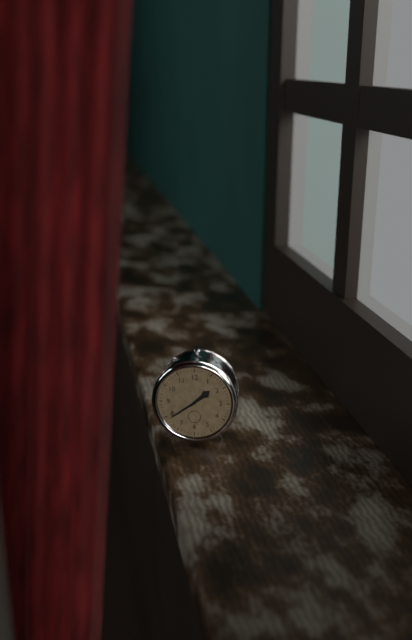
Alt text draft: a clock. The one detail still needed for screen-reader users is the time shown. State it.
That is 1:39
